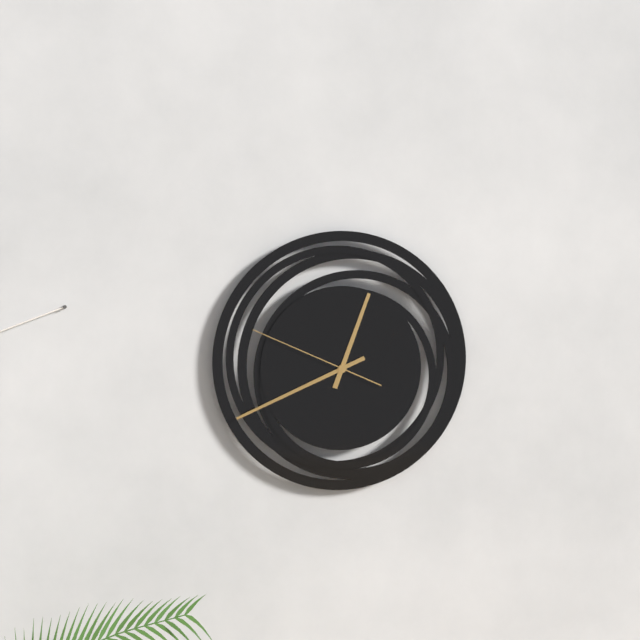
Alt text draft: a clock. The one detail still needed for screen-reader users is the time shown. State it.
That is 12:41:49
